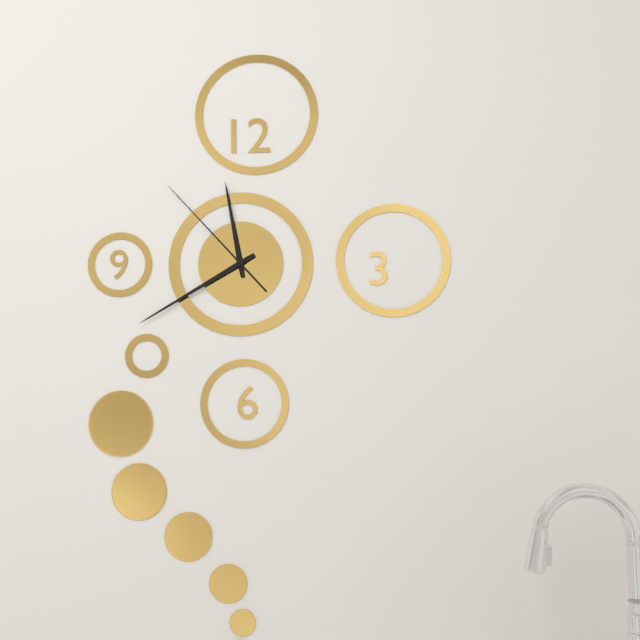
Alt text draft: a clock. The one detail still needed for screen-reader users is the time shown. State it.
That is 11:40:53
